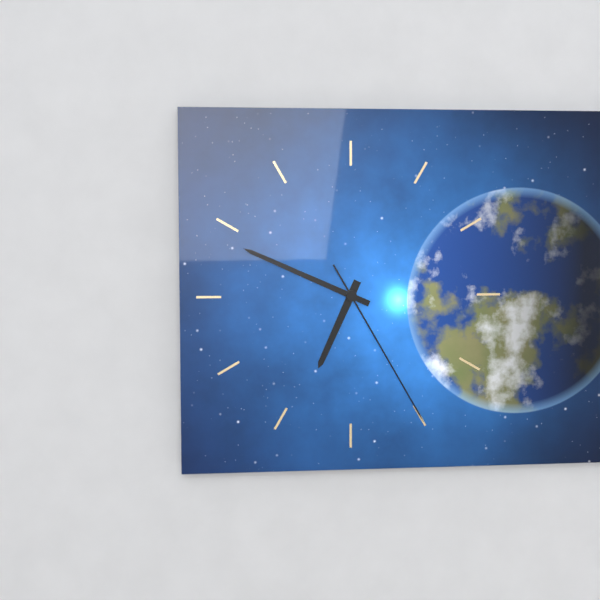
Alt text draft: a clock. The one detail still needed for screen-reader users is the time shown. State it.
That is 6:49:25
